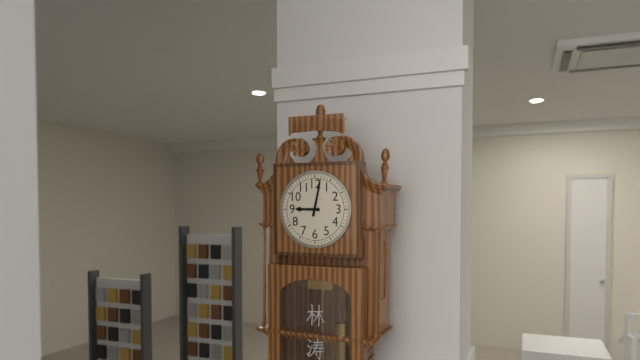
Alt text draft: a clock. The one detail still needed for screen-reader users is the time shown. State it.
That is 9:02
